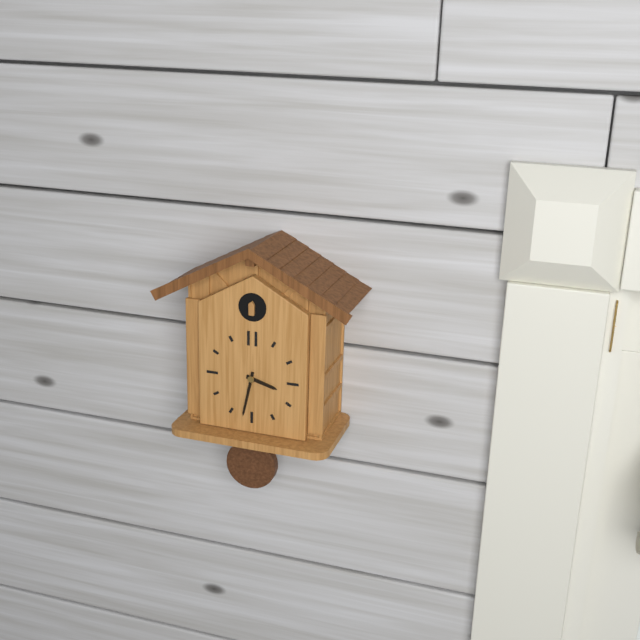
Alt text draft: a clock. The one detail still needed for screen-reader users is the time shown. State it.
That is 3:32
